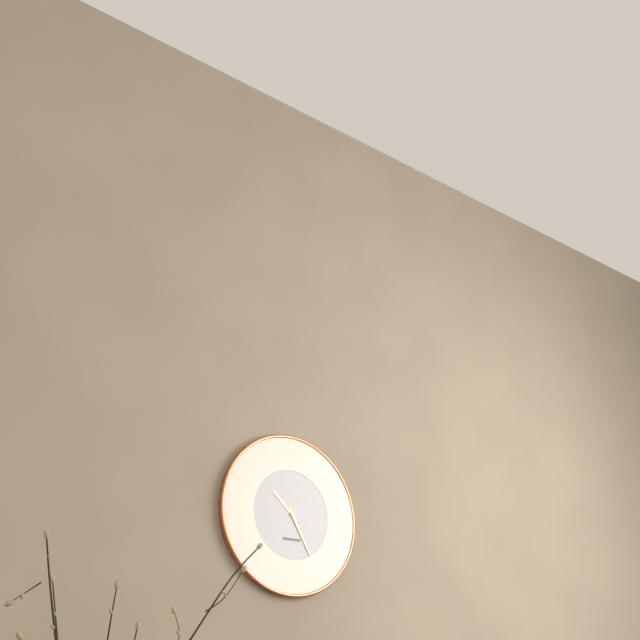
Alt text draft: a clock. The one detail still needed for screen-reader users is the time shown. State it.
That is 10:25
